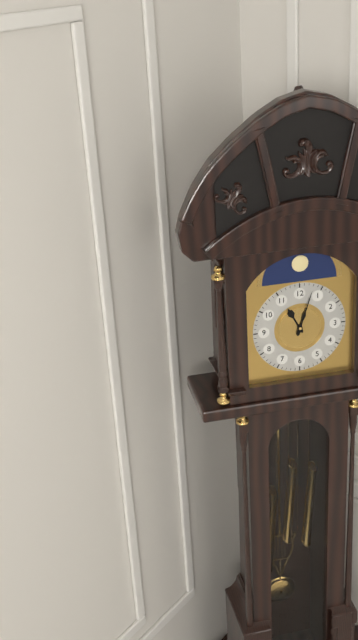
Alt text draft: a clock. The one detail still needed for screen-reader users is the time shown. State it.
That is 11:03
